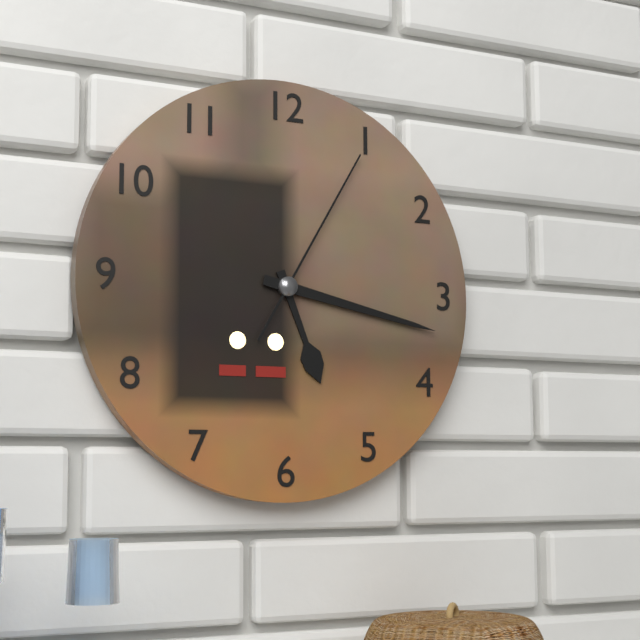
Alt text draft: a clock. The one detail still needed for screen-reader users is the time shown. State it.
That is 5:17:05
